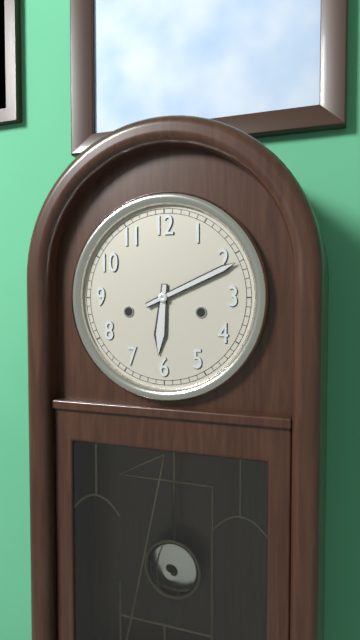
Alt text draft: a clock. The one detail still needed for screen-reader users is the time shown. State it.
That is 6:11
